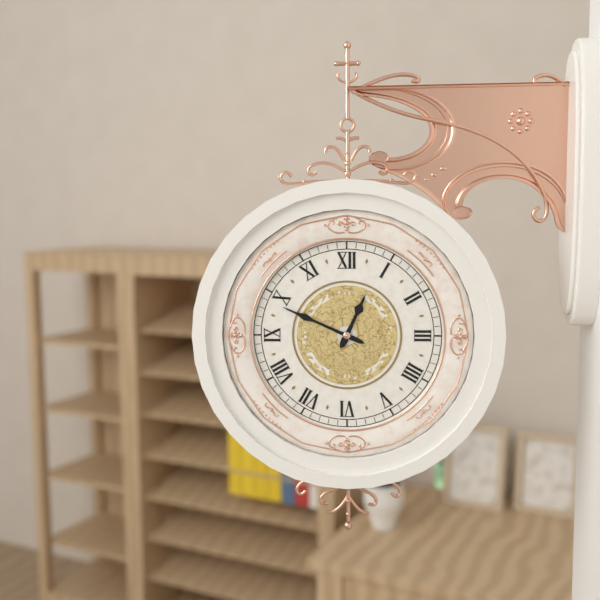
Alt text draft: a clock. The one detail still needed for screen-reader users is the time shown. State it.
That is 12:49
